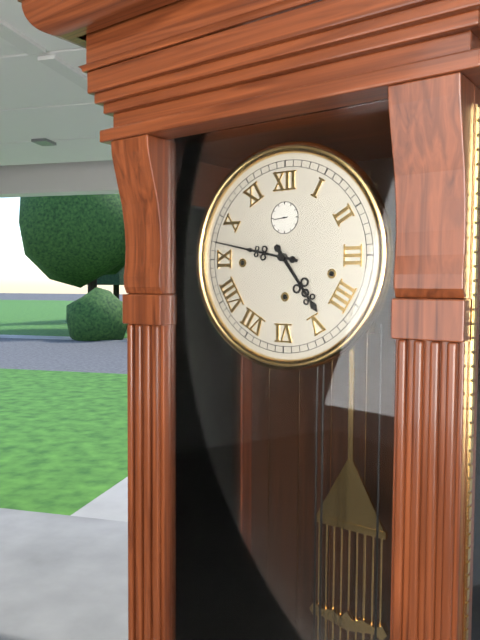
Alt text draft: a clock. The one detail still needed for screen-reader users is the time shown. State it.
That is 4:47
